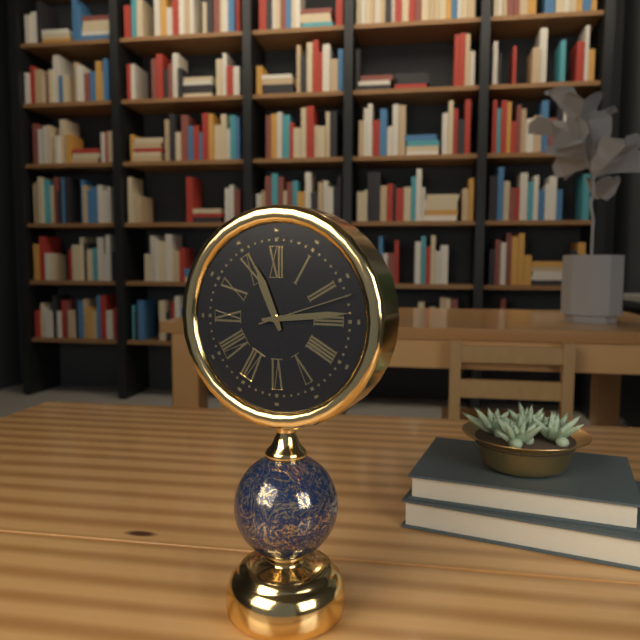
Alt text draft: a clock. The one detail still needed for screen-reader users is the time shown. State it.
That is 11:14:12
